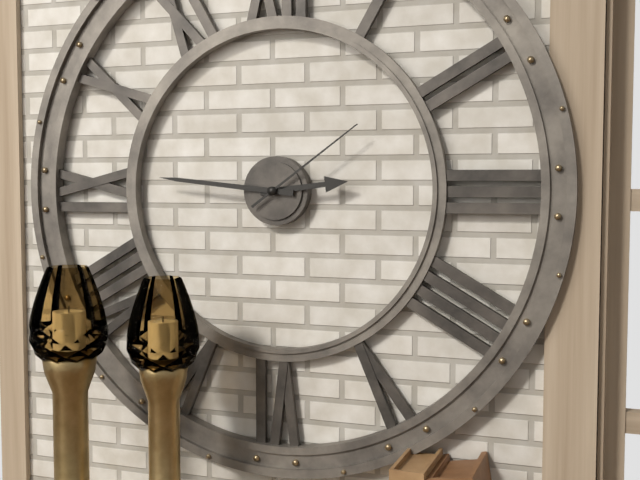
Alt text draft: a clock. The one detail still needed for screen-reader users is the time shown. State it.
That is 2:46:09
